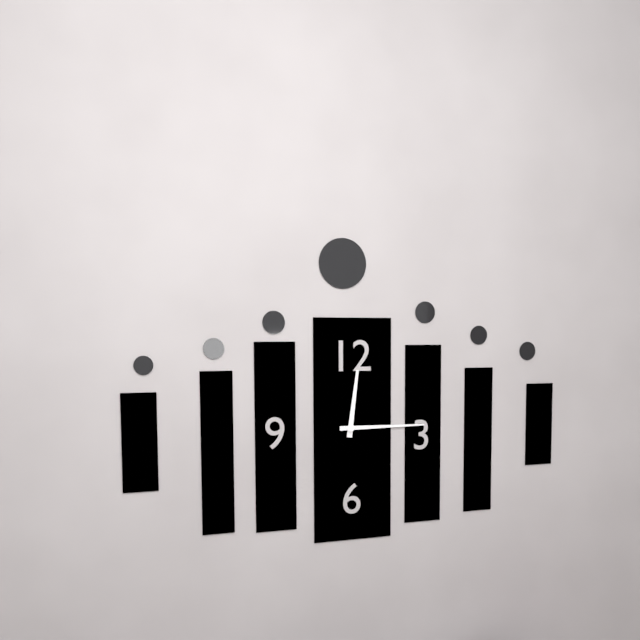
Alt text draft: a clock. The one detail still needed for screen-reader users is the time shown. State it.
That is 12:15
